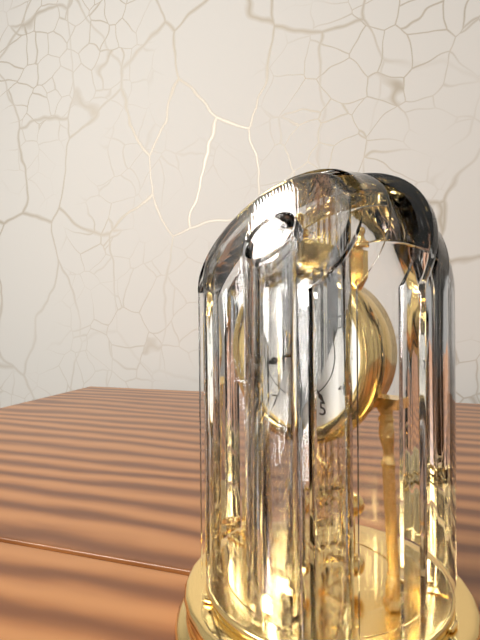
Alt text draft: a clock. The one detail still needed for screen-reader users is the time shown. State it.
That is 8:24
